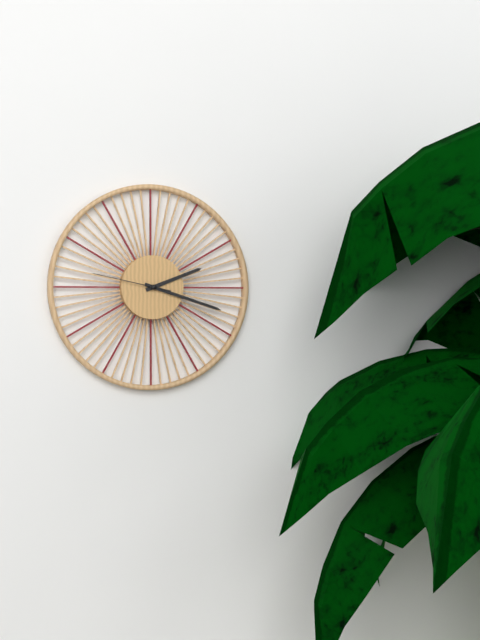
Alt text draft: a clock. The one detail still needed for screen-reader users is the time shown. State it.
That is 2:18:47
